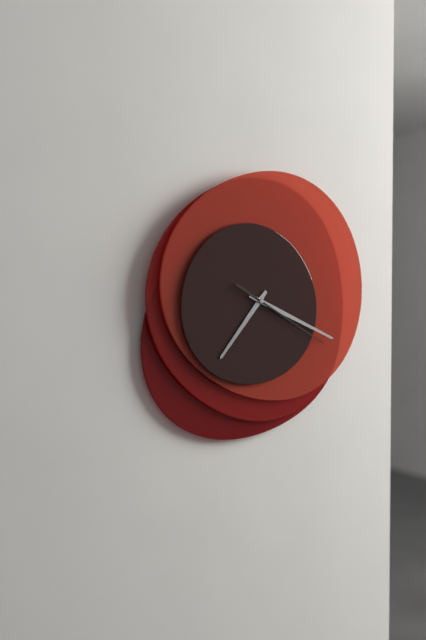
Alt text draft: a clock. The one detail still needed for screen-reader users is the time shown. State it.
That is 7:19:20
